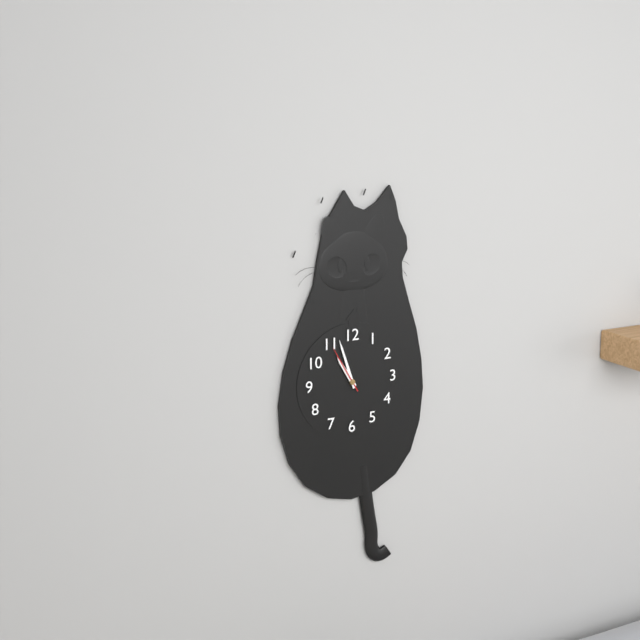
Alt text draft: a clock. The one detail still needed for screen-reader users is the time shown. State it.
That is 10:57
